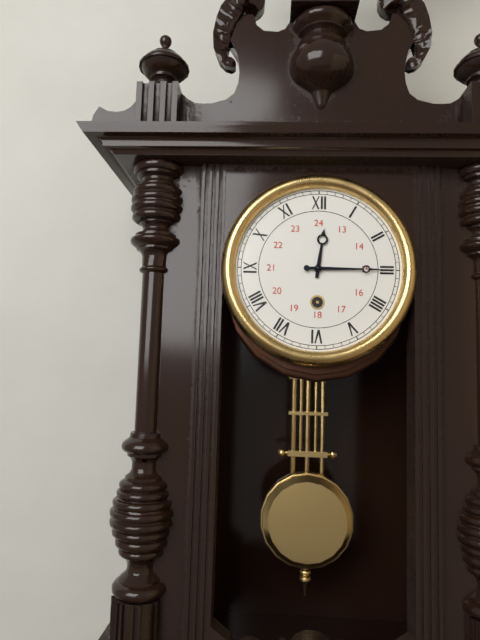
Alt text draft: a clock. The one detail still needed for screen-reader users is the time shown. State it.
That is 12:15
